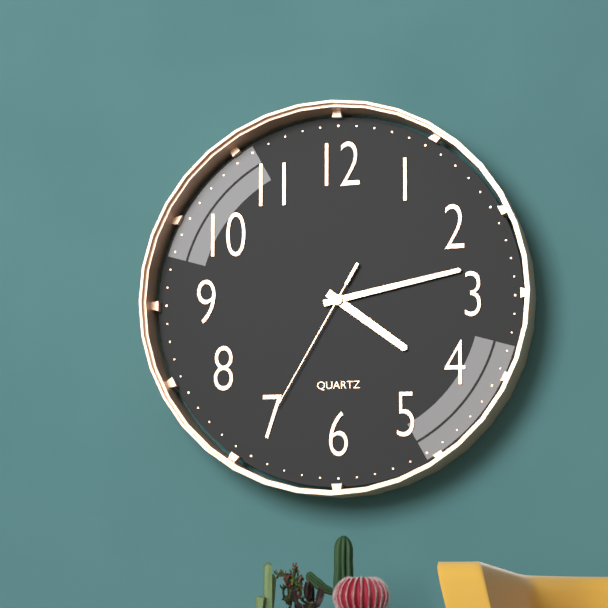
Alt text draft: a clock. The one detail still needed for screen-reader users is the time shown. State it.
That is 4:13:35
